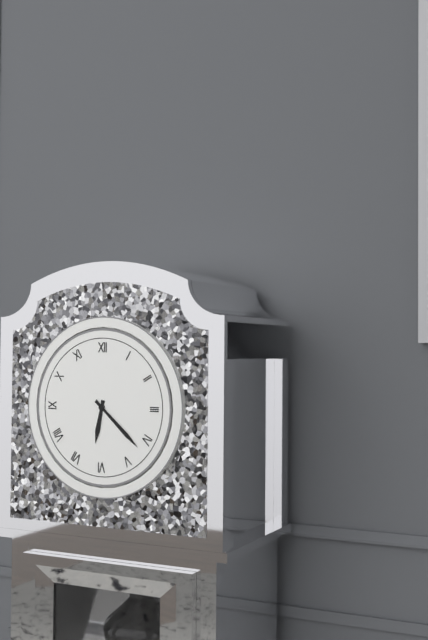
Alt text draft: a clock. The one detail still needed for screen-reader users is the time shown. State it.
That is 6:22
